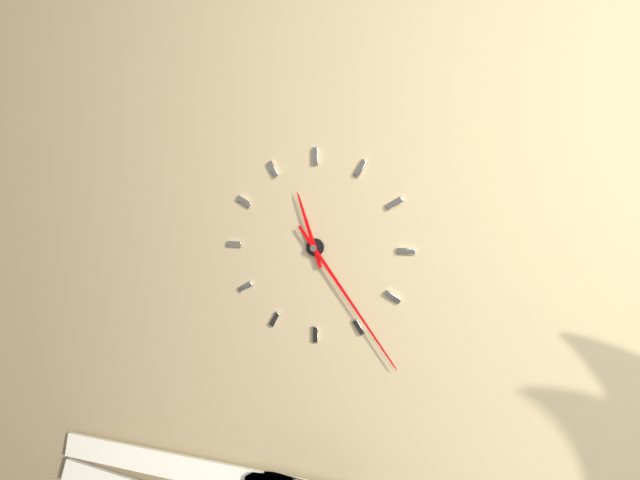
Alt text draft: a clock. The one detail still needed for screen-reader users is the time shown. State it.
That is 11:24
